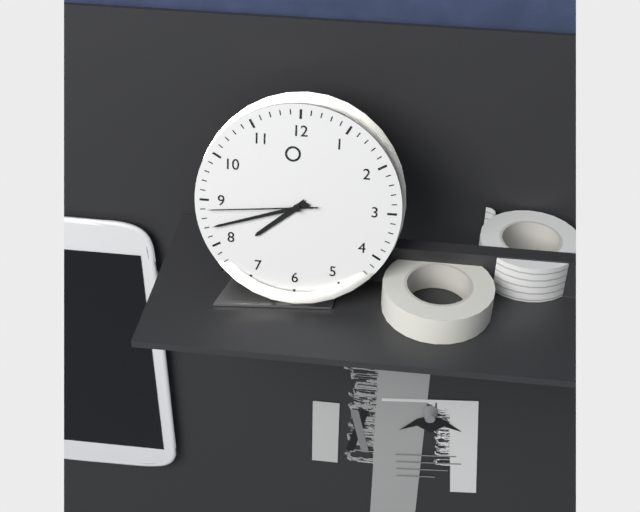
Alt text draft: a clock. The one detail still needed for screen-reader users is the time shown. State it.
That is 7:42:44
